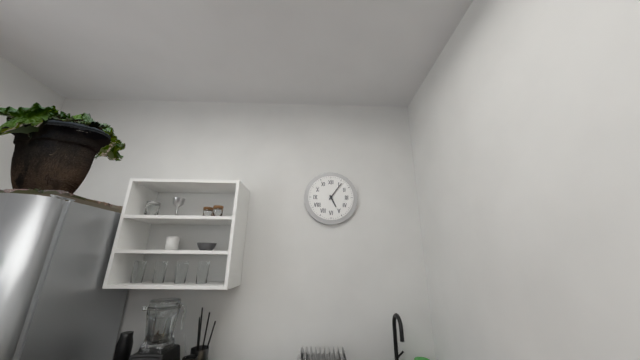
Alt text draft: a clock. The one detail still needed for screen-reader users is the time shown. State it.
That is 5:06
